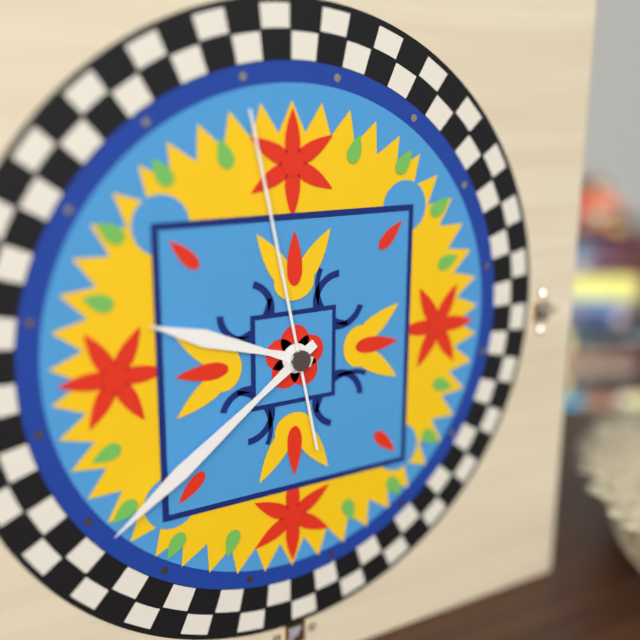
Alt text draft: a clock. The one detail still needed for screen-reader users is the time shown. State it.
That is 9:39:58
